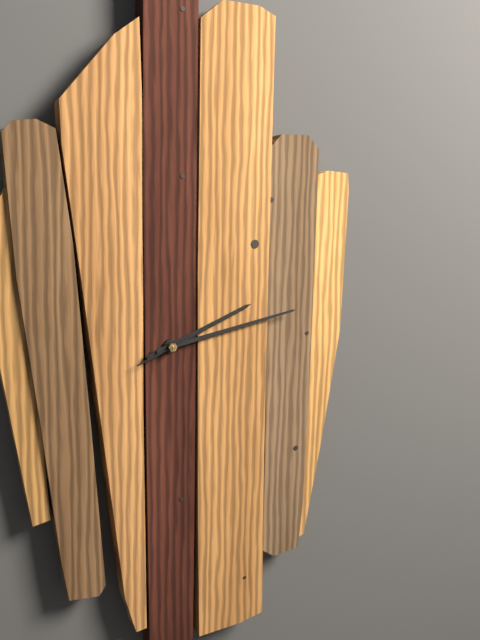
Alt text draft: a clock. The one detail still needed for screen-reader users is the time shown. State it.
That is 2:13:11
